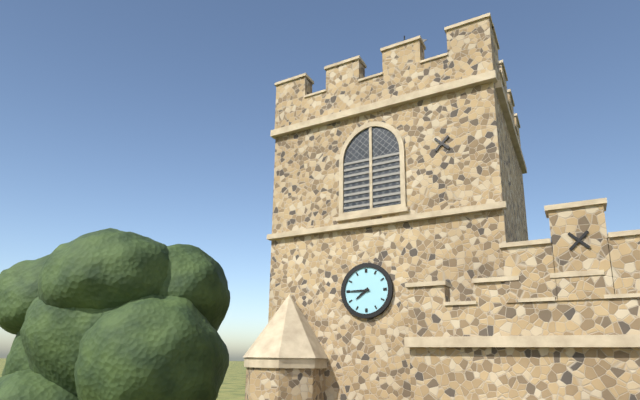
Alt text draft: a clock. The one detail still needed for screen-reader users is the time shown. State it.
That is 7:45
